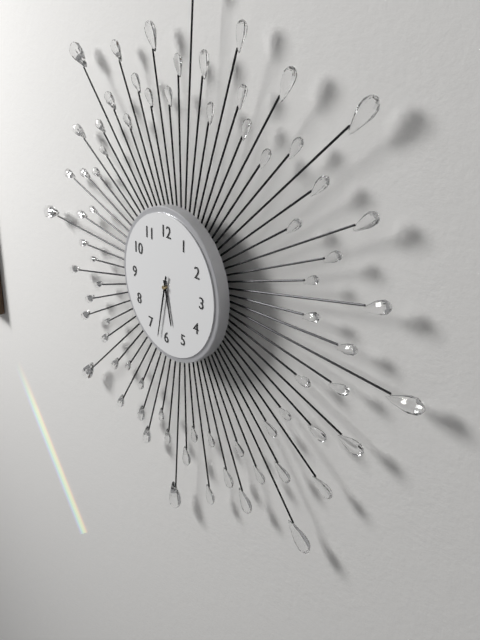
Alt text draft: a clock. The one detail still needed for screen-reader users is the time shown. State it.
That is 5:32
